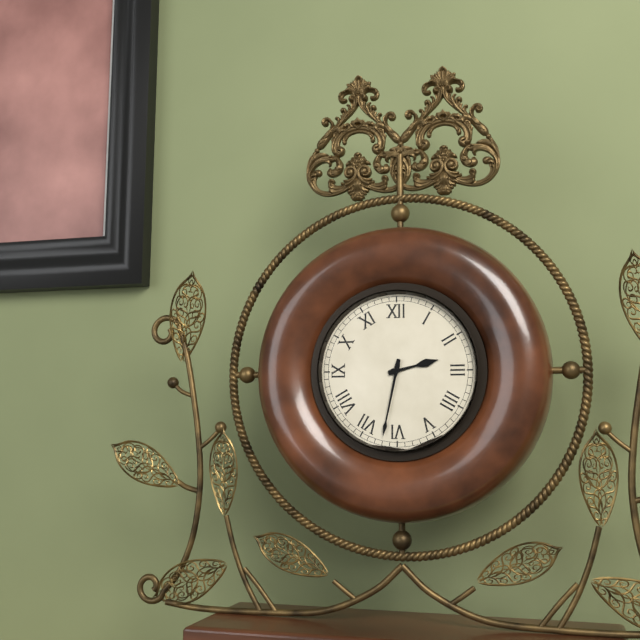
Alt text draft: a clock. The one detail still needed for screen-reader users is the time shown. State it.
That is 2:32
